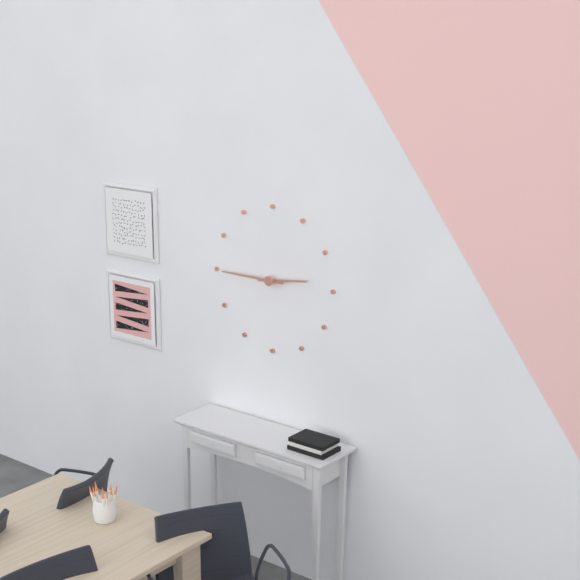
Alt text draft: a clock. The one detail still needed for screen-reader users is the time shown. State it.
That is 2:45
